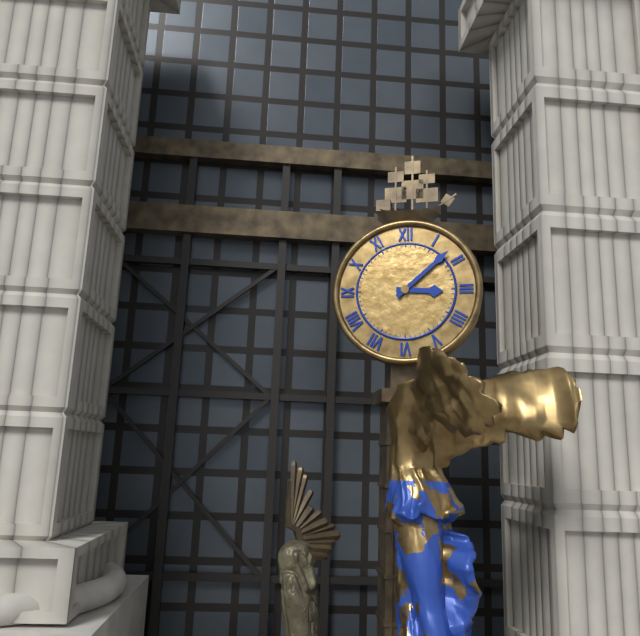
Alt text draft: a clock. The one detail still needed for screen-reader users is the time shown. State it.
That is 3:08
